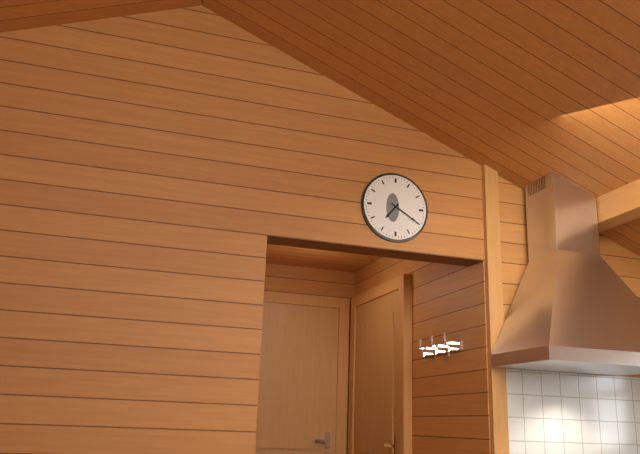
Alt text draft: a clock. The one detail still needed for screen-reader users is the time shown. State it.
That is 7:20
